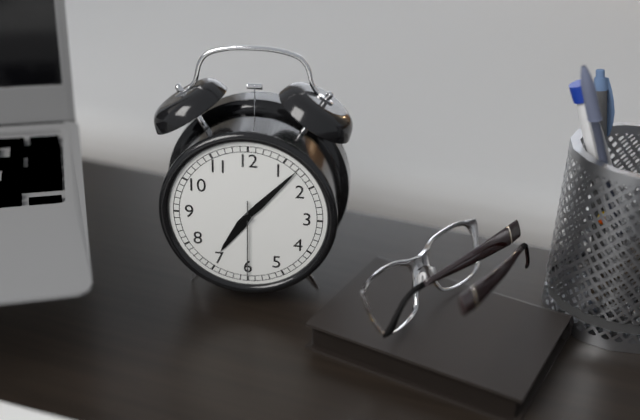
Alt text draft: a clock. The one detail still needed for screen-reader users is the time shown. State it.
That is 7:07:30
